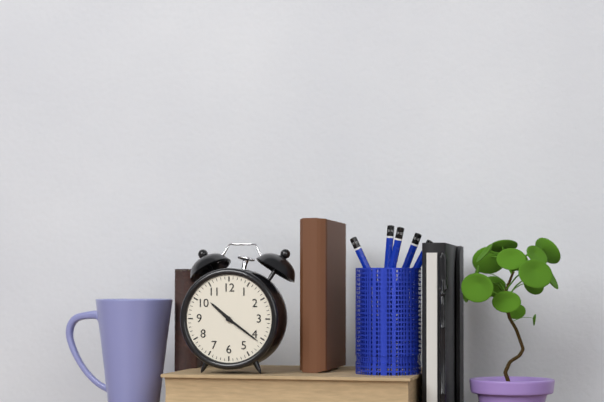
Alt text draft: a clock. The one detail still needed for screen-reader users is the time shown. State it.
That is 10:21
